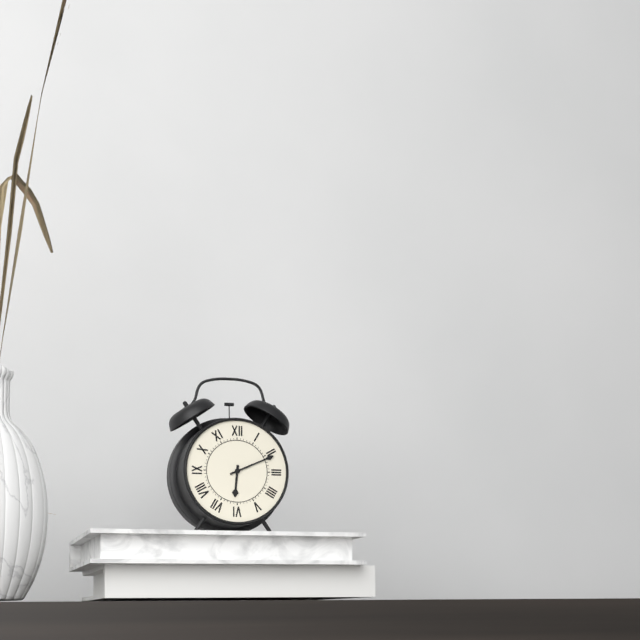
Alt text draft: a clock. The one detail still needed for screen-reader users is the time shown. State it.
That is 6:11
